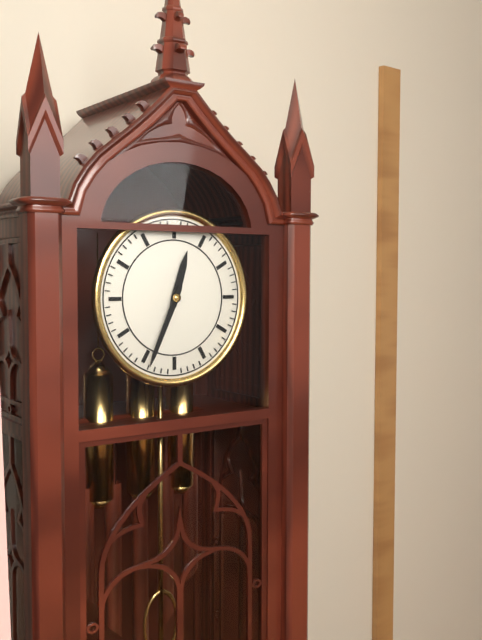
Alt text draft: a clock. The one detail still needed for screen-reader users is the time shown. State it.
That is 12:34
